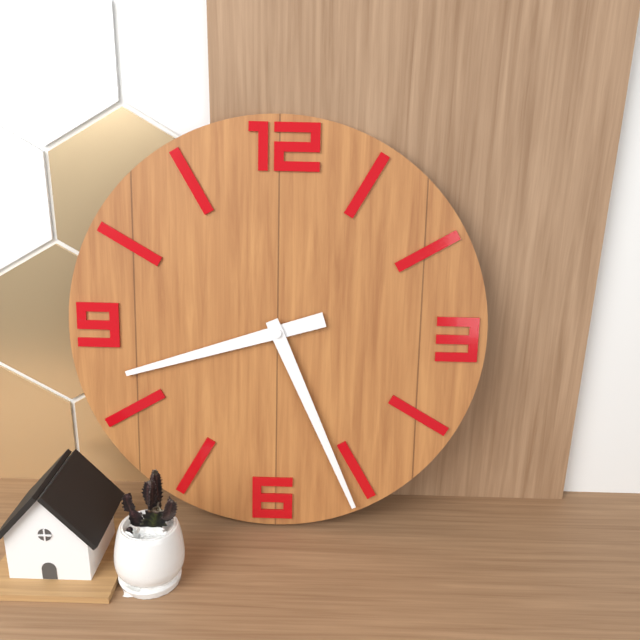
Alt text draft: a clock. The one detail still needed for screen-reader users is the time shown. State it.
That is 8:26
